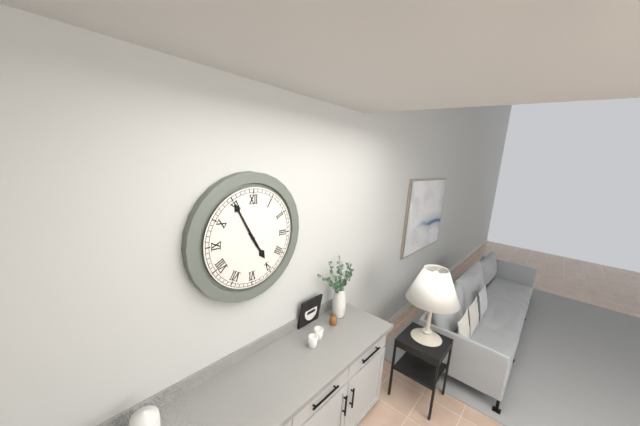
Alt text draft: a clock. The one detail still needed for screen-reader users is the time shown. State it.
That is 4:55
